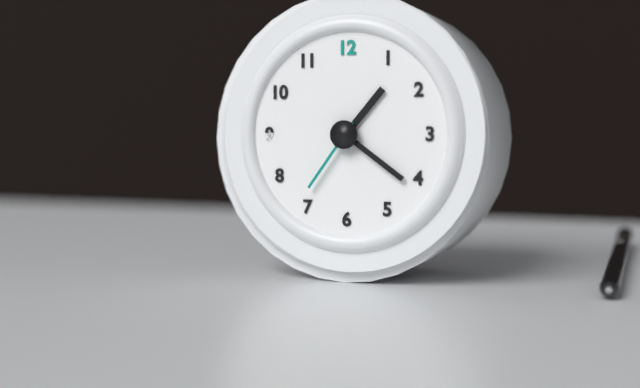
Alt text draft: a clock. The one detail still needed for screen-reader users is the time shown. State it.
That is 1:21:36
